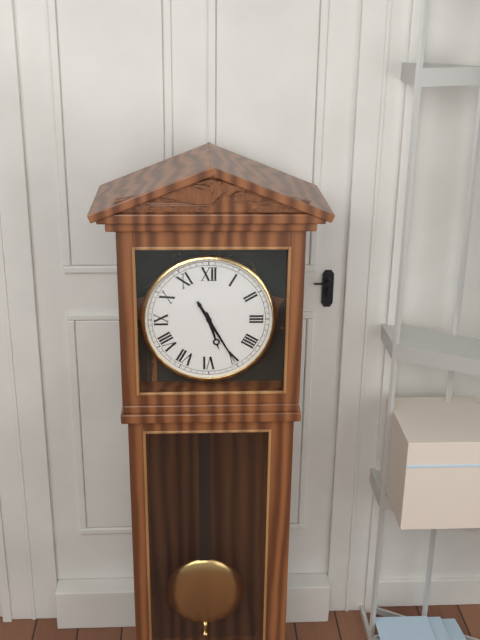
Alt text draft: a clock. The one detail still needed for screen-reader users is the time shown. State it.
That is 5:25
